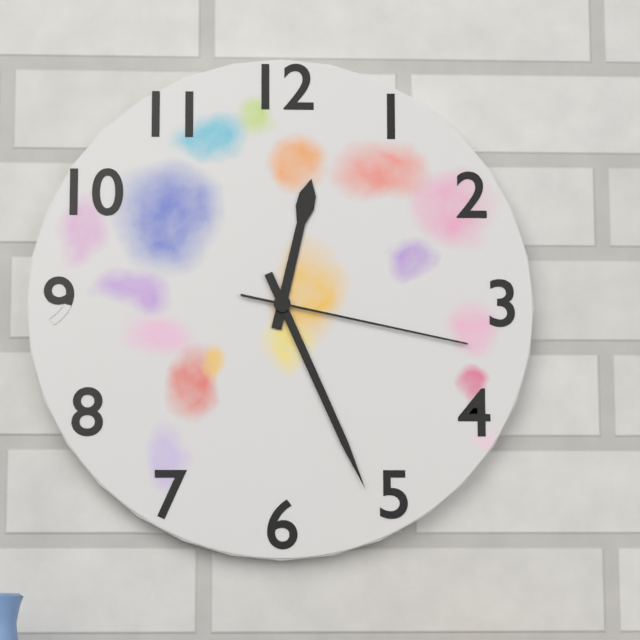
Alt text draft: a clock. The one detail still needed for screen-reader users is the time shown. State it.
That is 12:26:17
